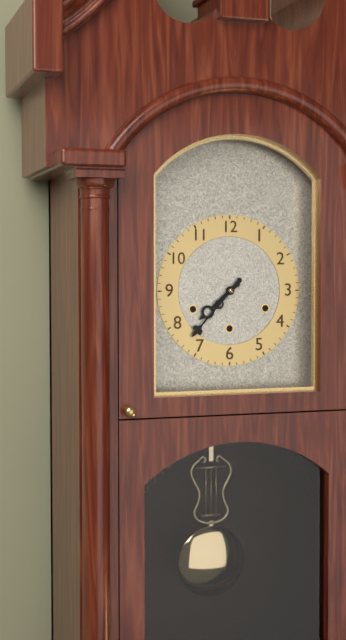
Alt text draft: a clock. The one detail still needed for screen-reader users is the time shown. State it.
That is 7:37
